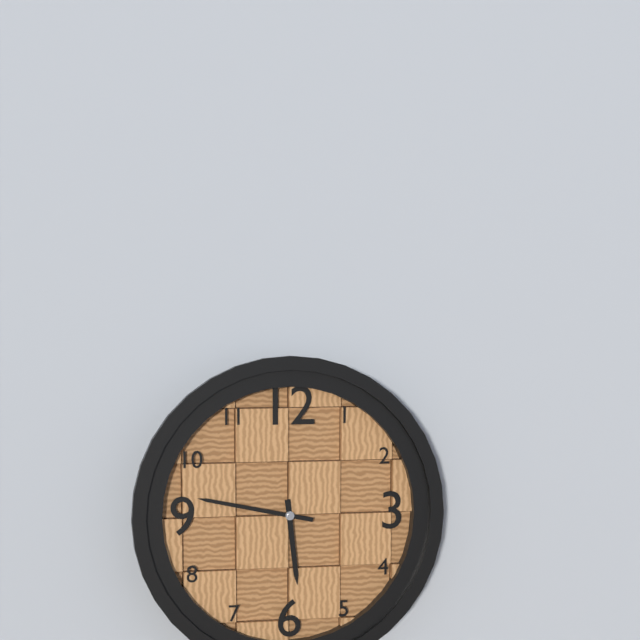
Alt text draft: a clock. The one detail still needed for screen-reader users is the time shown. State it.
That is 5:47
